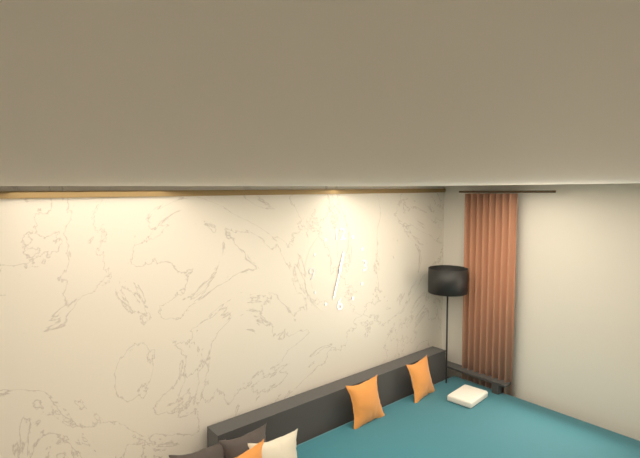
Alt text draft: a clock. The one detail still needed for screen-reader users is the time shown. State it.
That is 12:33
